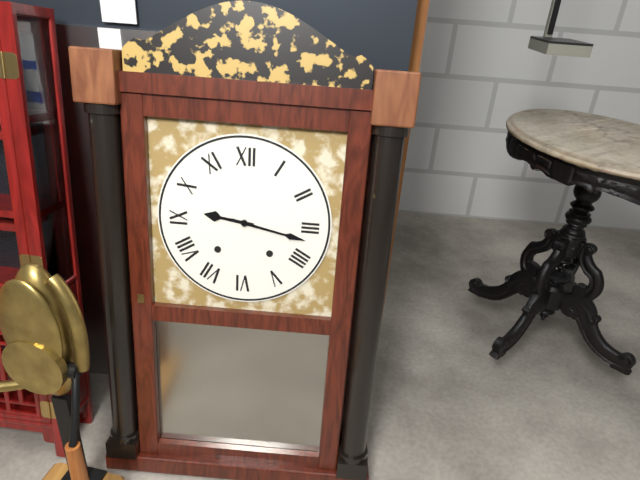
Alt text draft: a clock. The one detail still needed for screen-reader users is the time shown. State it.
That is 9:17
